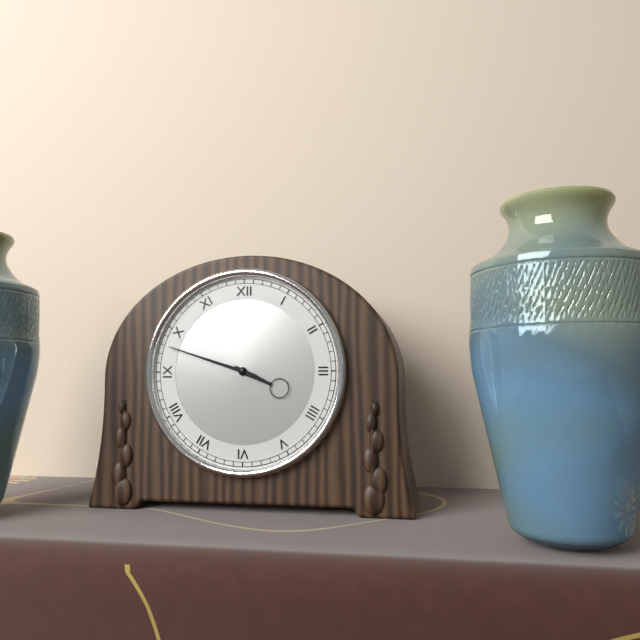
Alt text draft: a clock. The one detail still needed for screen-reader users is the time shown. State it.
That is 3:48
